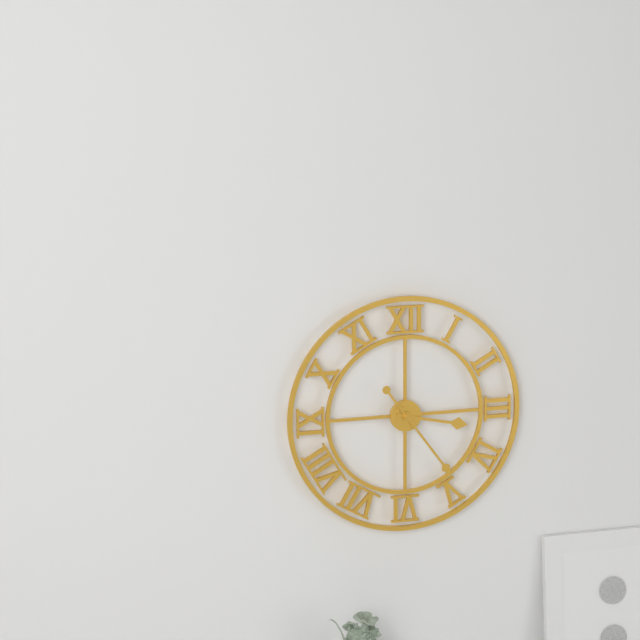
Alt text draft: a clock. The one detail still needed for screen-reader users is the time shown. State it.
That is 3:24
